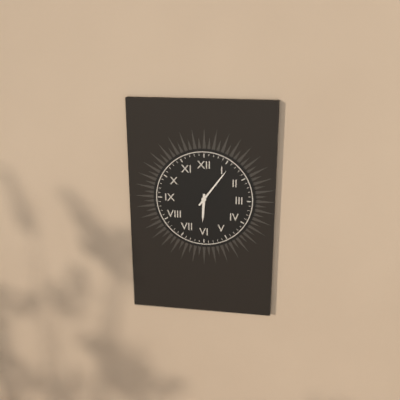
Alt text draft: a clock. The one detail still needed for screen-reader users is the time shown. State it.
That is 6:06
